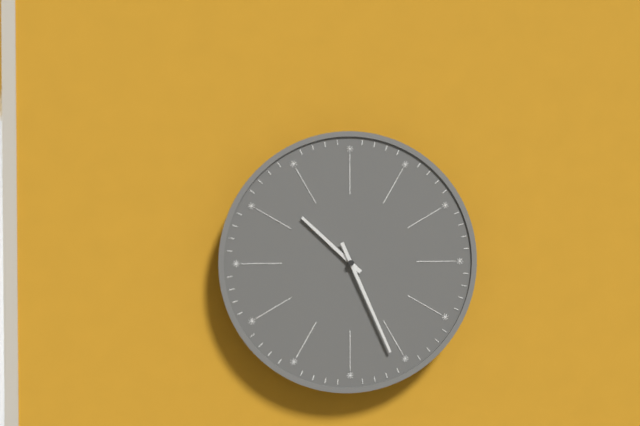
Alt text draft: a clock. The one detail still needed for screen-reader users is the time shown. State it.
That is 10:26
